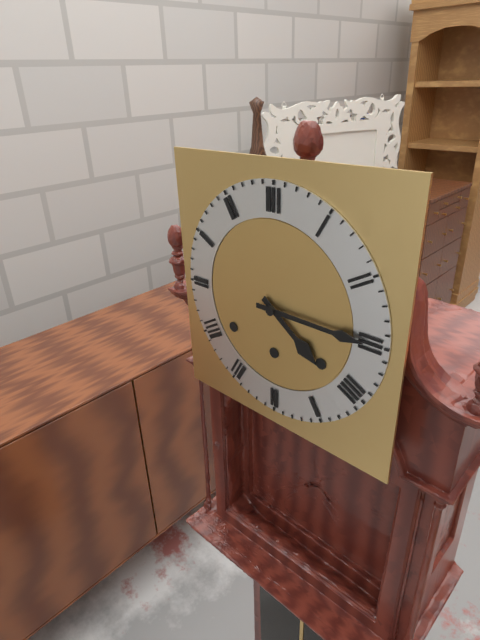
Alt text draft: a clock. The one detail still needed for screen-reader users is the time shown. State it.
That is 4:15
